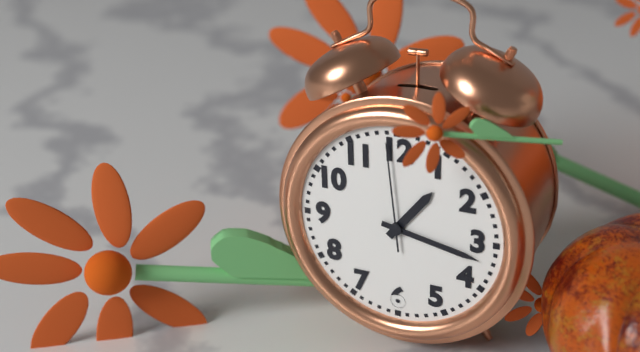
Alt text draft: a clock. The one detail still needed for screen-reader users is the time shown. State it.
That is 1:17:59
